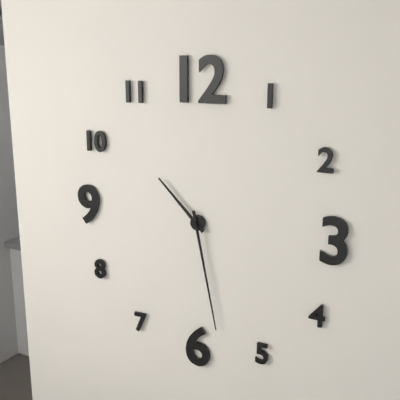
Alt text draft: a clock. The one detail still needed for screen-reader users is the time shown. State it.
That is 10:28
